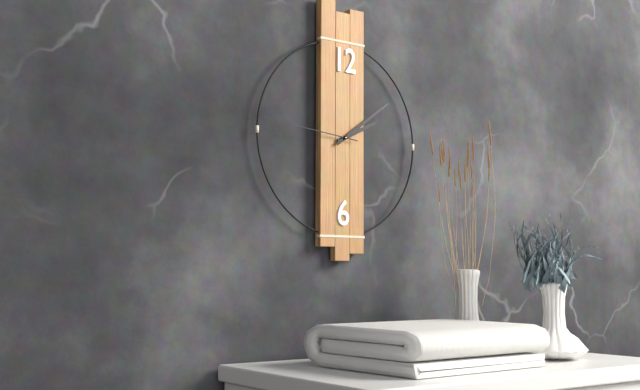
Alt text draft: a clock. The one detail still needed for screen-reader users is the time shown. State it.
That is 2:09:46
